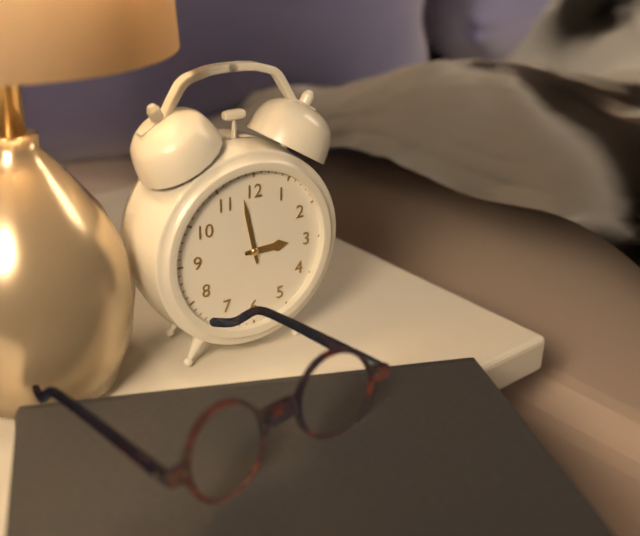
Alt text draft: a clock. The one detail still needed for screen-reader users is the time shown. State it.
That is 2:58
